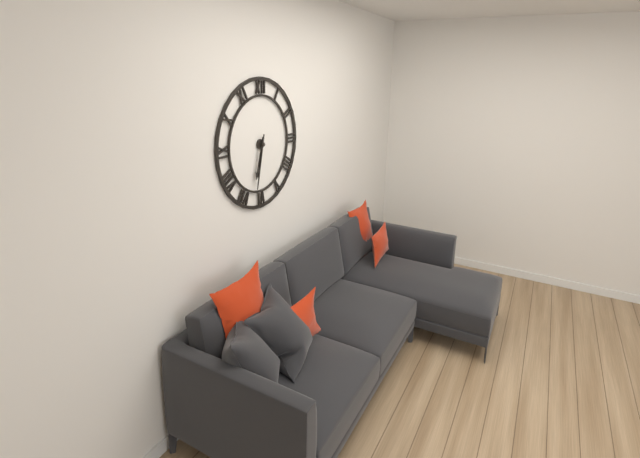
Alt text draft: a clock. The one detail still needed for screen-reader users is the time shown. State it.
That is 6:32
